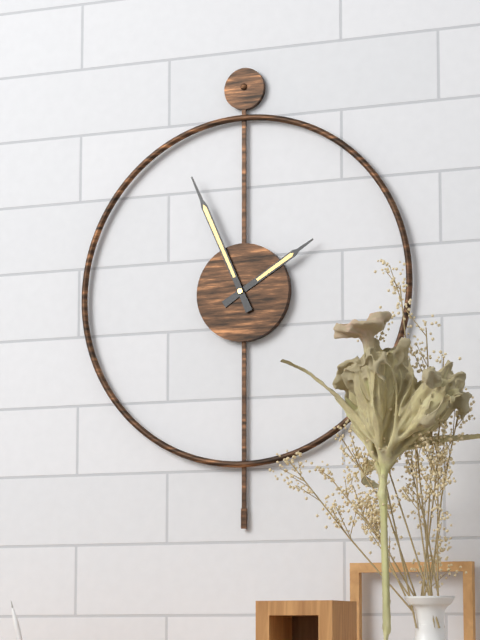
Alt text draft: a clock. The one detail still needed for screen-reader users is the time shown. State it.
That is 1:56
